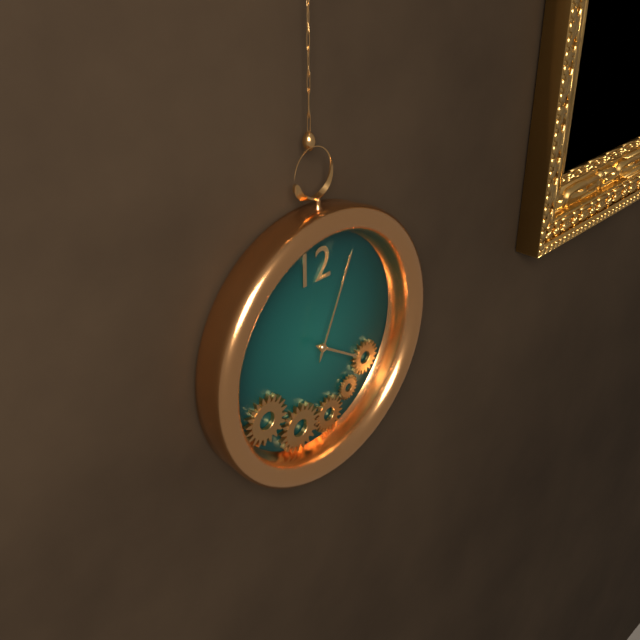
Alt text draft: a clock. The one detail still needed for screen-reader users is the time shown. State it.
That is 4:04
